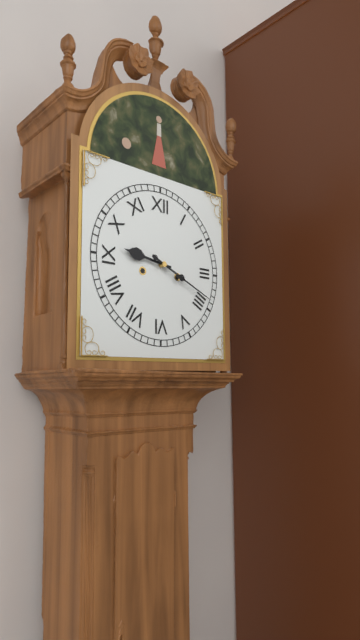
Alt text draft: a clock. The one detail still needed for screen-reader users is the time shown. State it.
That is 9:19
